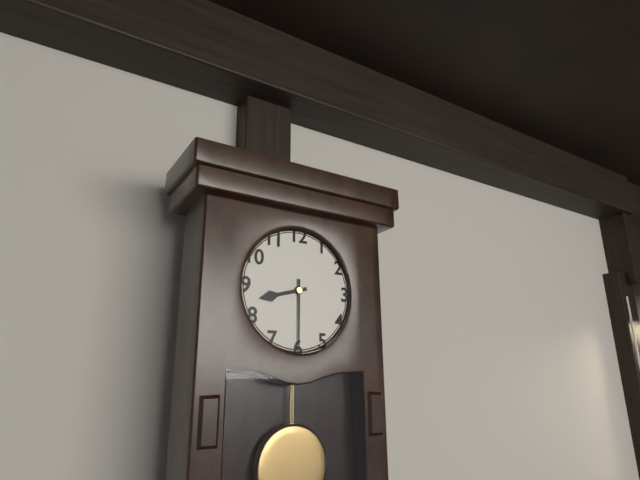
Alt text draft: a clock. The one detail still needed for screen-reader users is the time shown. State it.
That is 8:30
